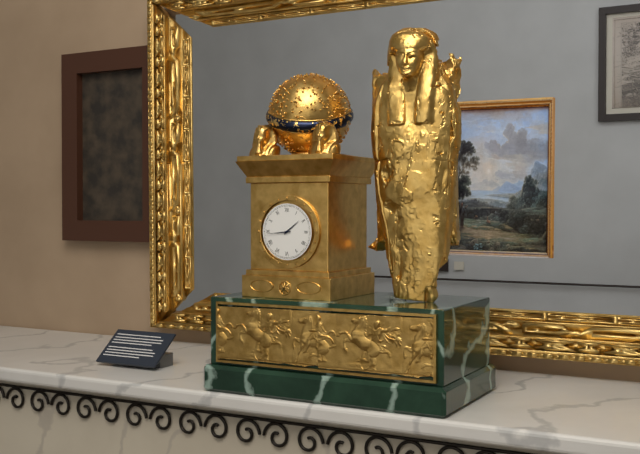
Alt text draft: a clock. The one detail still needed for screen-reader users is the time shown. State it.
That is 1:44
